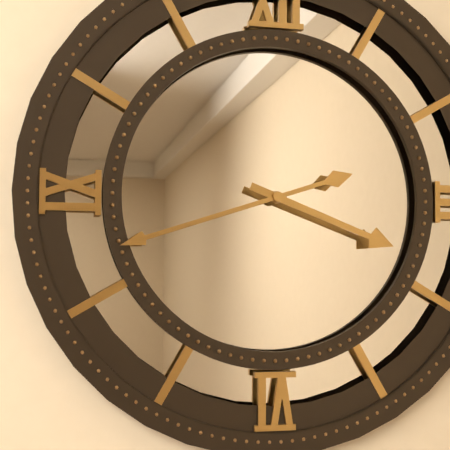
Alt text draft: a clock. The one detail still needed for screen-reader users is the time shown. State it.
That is 3:42
